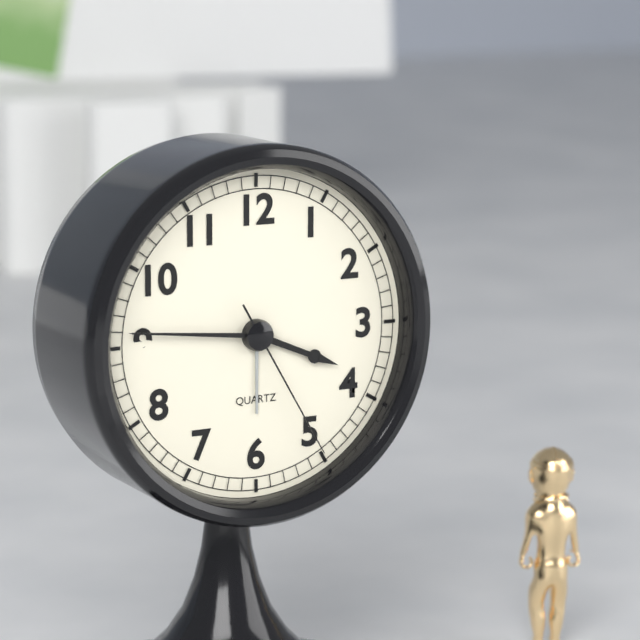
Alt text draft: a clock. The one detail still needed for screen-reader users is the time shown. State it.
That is 3:46:25
